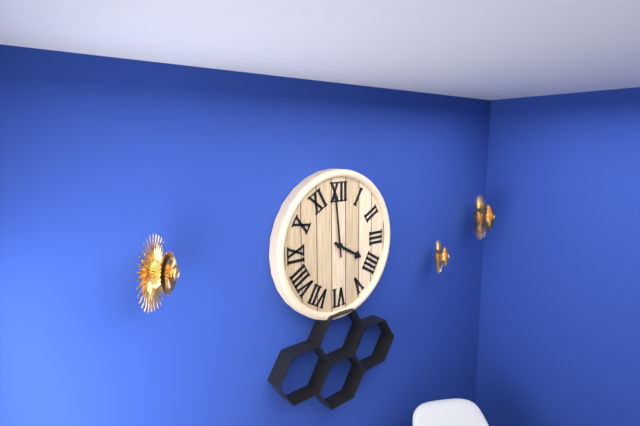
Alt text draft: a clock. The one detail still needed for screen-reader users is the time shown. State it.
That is 3:59
